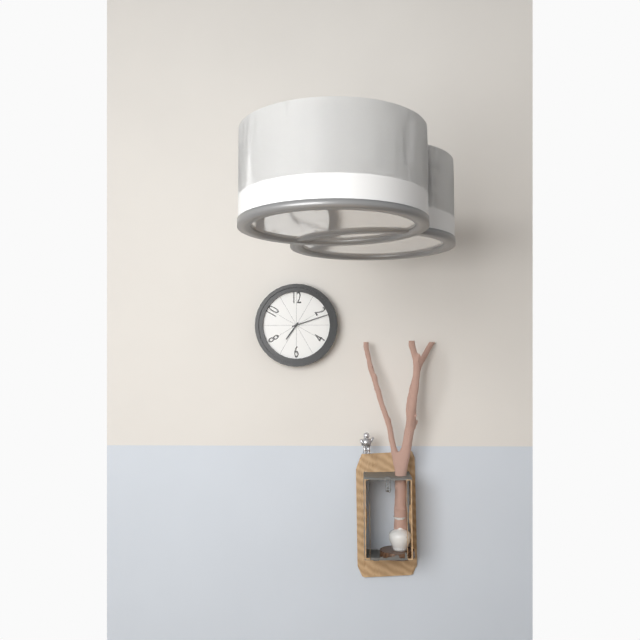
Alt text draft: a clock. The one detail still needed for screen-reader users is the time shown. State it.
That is 7:12
